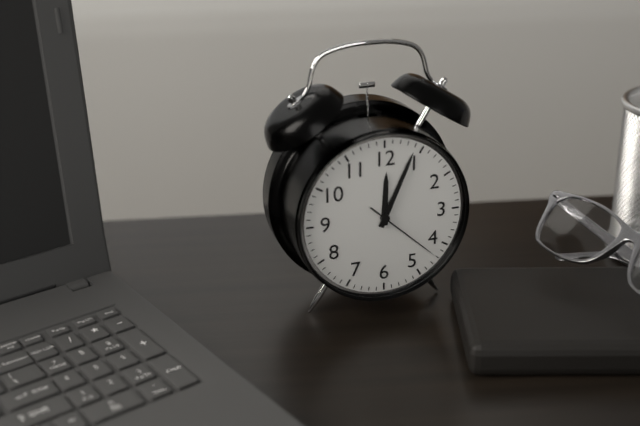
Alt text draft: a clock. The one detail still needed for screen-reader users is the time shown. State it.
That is 12:04:22
